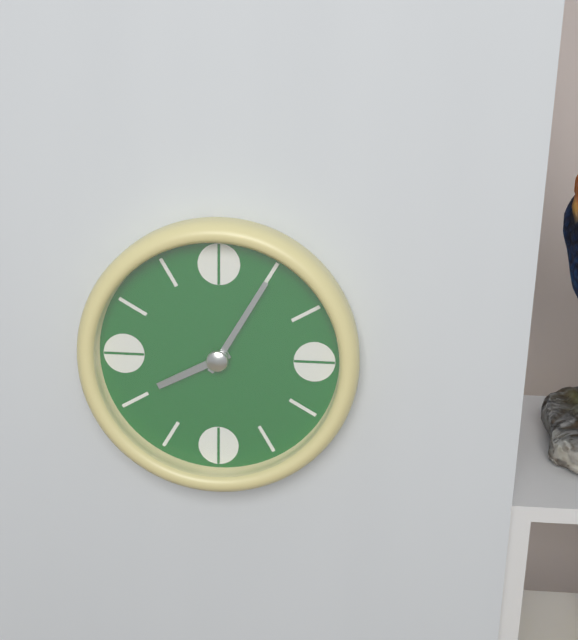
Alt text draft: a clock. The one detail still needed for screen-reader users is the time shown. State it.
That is 8:05
